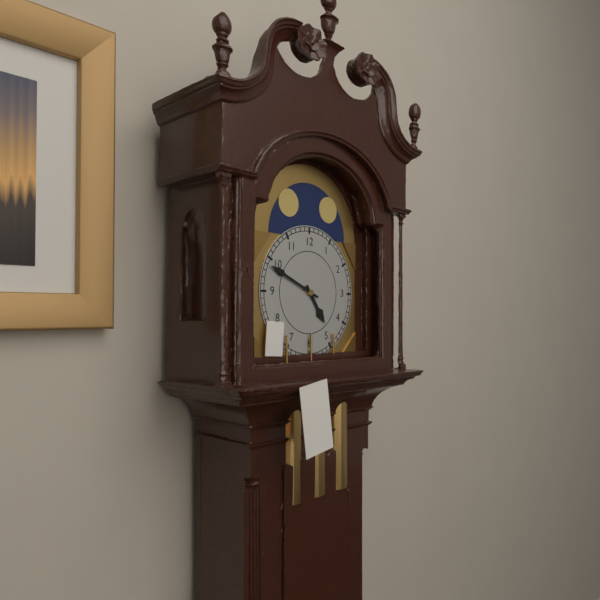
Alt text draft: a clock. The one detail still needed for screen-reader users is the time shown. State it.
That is 4:49
